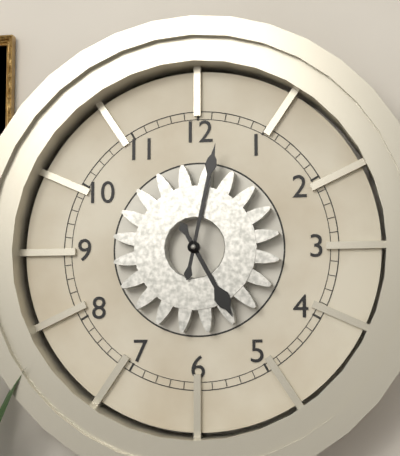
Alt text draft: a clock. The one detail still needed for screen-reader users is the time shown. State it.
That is 5:02
